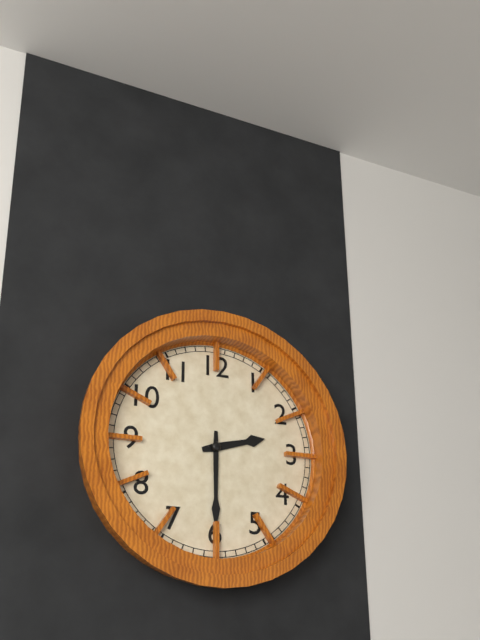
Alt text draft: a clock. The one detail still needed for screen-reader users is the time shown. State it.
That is 2:30
